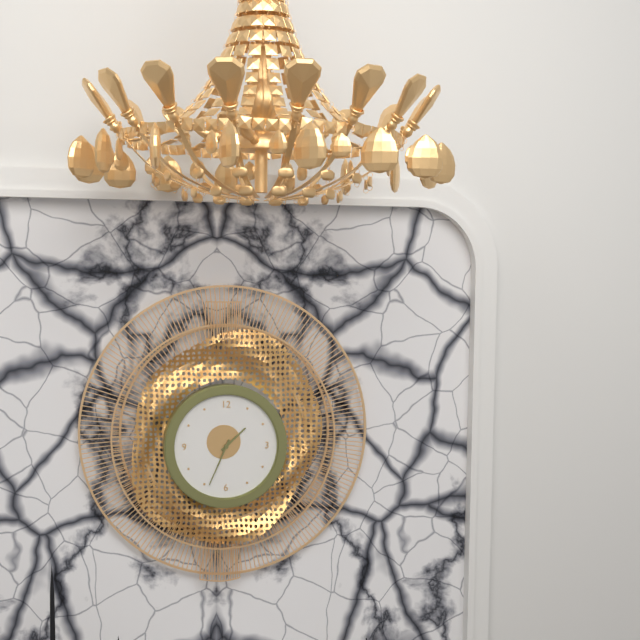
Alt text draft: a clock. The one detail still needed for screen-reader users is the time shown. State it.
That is 1:34
